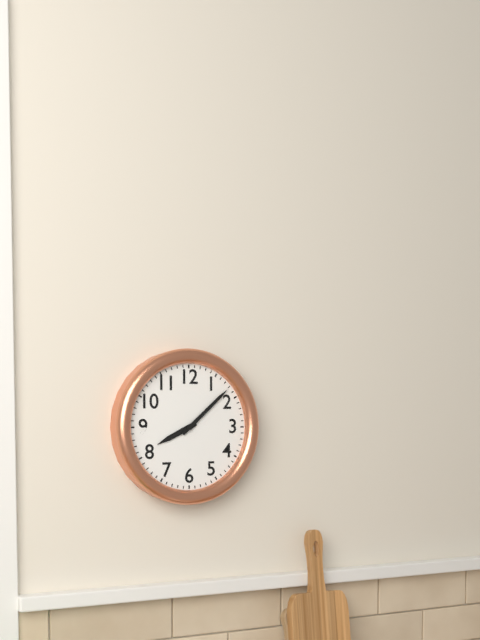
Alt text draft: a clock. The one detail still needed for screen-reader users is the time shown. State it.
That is 8:08
